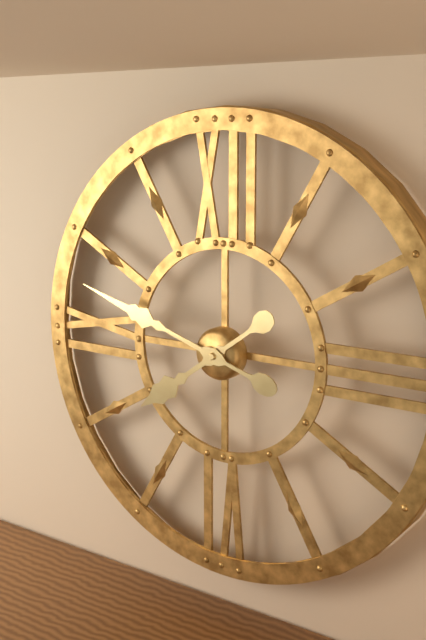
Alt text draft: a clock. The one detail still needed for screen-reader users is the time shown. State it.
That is 7:48
